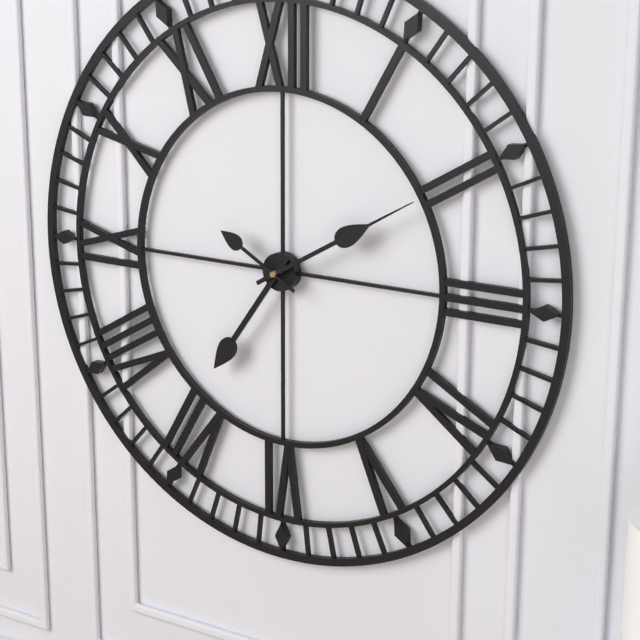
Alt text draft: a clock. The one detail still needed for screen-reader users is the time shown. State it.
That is 7:10:50
